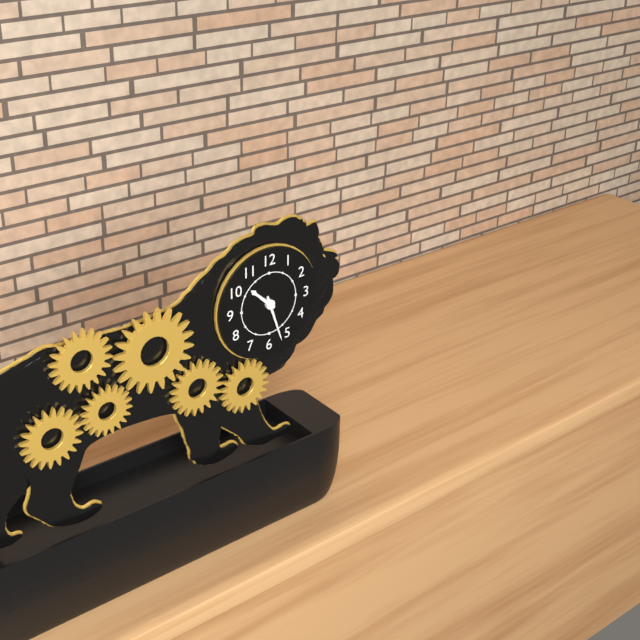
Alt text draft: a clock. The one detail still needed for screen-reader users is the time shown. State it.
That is 10:27
